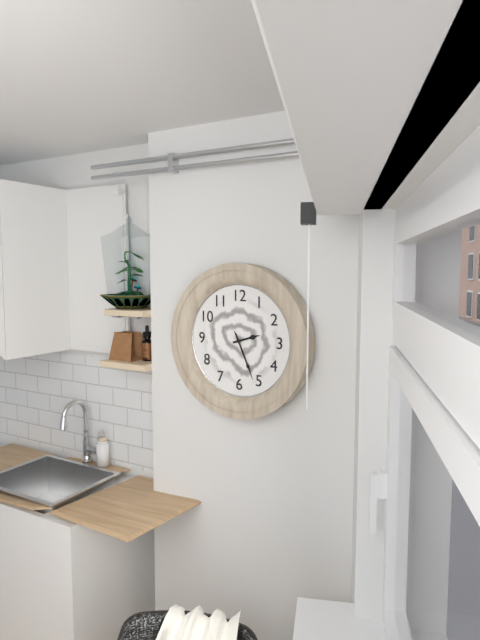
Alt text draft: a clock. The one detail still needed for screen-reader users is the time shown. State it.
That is 2:26:26
